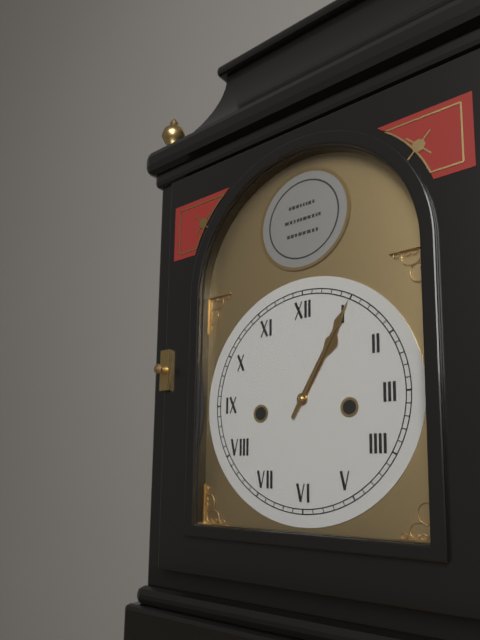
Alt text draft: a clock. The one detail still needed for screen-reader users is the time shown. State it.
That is 1:05
